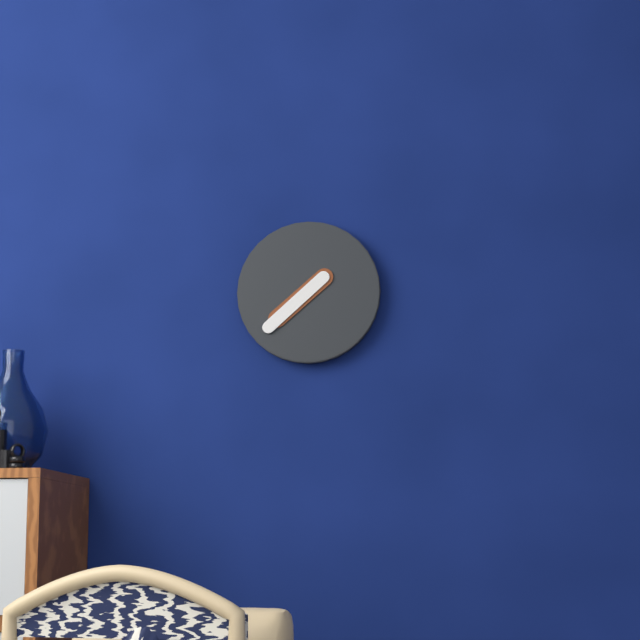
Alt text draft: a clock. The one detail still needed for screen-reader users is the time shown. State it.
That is 7:38
